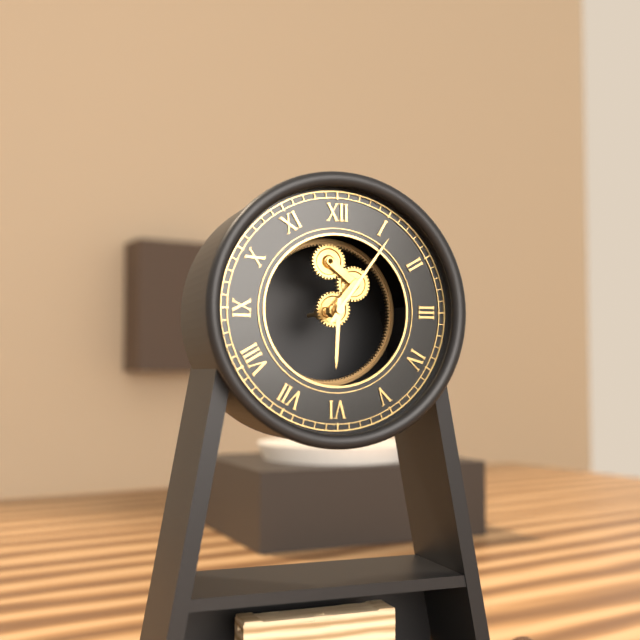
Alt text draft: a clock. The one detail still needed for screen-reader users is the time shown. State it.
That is 6:06
